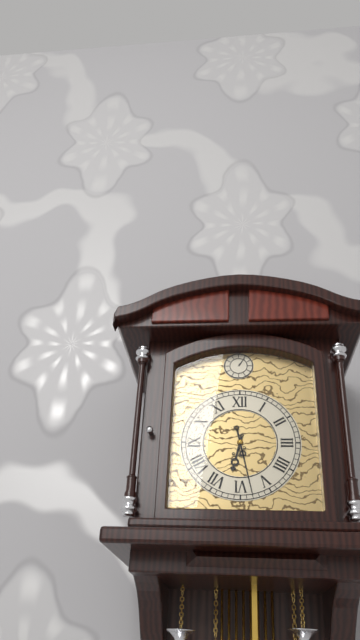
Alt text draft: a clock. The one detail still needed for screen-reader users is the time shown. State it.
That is 6:28
